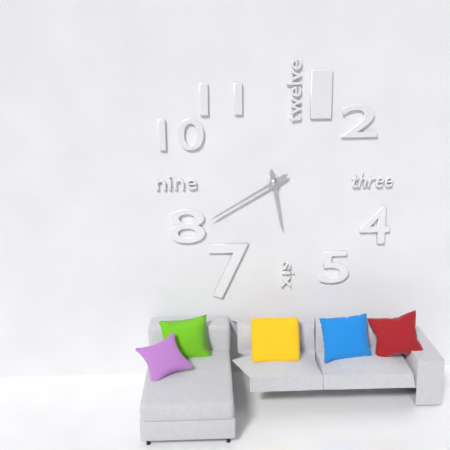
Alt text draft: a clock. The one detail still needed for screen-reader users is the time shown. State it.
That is 5:40
